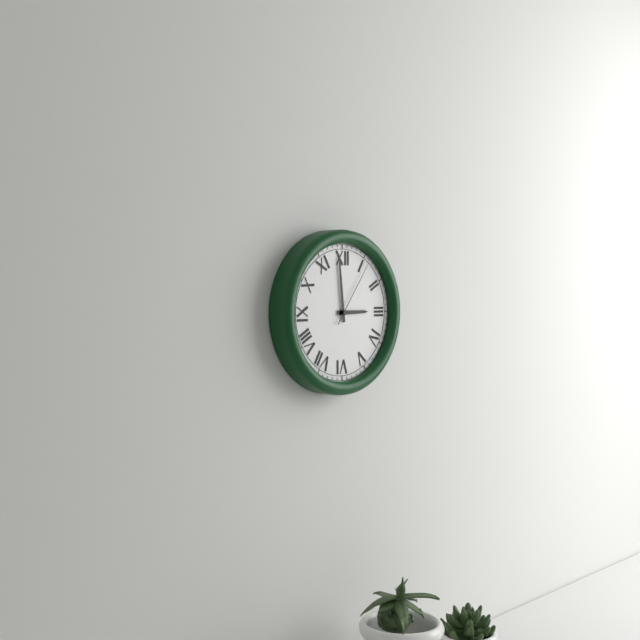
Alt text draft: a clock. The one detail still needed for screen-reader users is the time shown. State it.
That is 2:59:06
